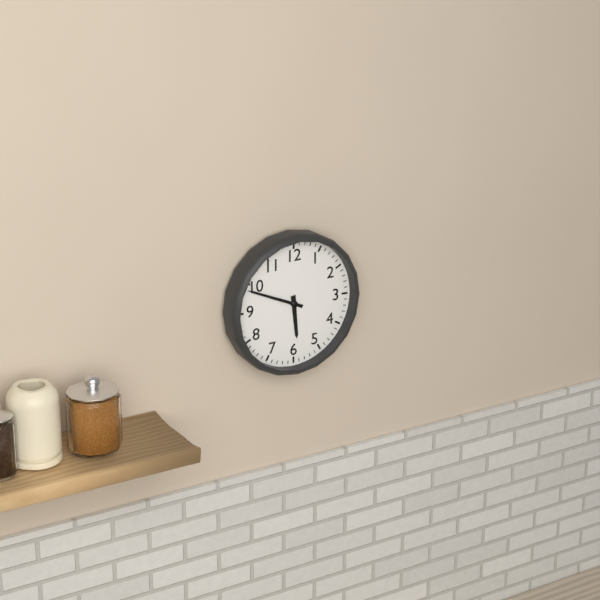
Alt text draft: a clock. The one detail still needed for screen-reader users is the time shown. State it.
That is 5:49
